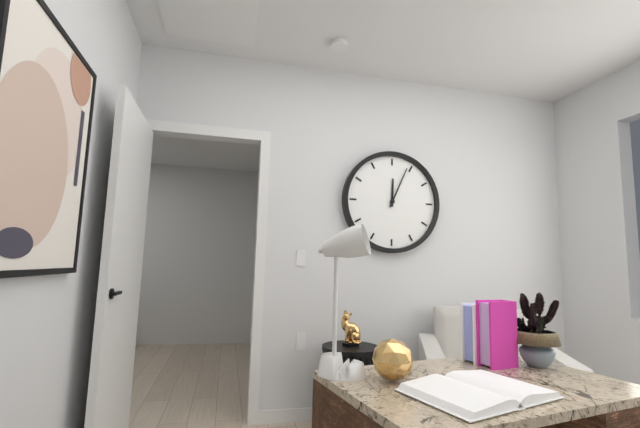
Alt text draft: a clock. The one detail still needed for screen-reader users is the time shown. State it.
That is 12:04
